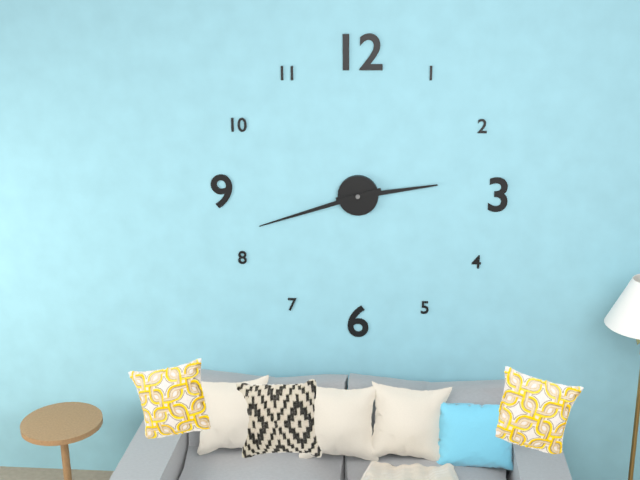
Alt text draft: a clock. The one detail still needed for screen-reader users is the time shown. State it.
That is 2:42
